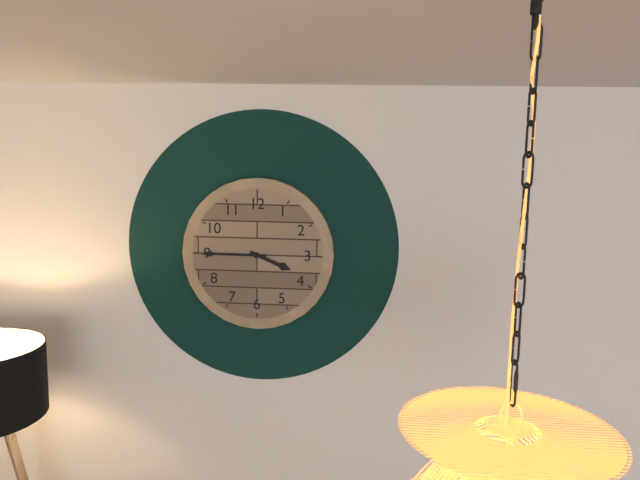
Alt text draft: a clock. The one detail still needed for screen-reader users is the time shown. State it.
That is 3:45
